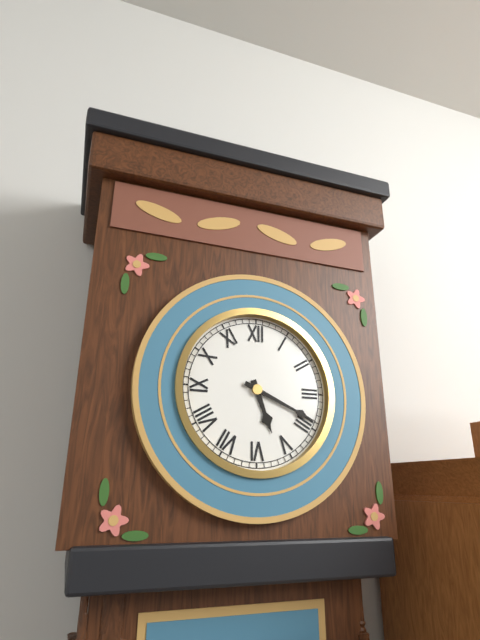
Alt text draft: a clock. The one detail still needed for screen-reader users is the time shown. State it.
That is 5:19
